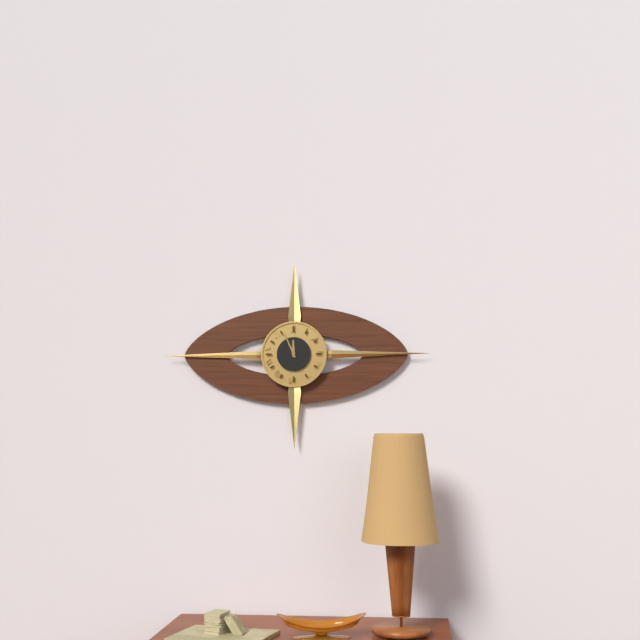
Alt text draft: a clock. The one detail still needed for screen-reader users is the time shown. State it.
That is 11:56
